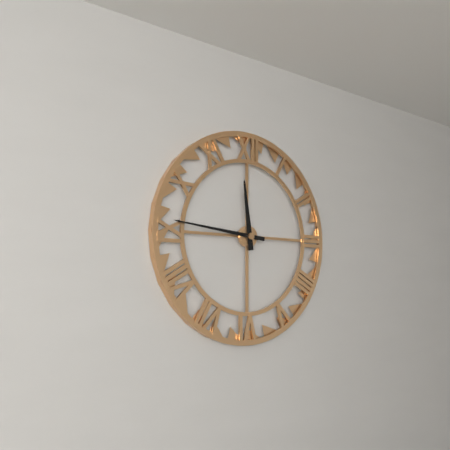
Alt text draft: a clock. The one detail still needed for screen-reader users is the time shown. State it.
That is 11:46
